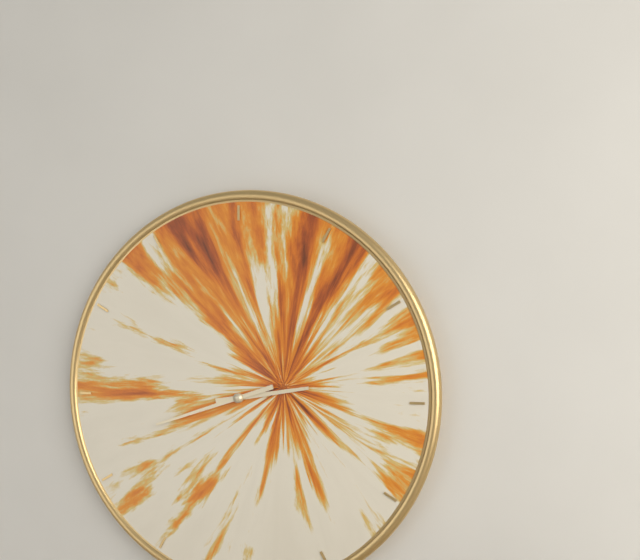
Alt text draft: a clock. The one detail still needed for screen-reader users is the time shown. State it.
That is 2:42
